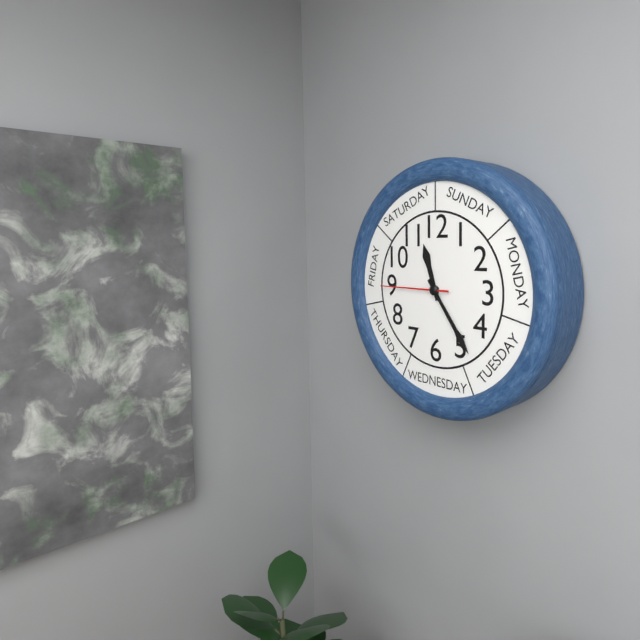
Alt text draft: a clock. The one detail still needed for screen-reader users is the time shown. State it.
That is 11:24:45
